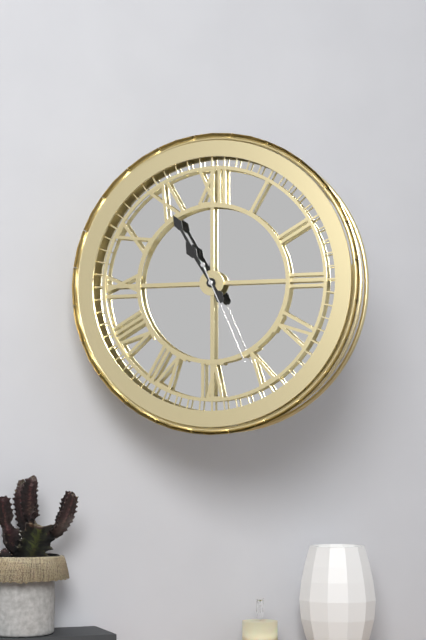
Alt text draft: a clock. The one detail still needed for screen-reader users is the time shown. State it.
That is 10:55:26
